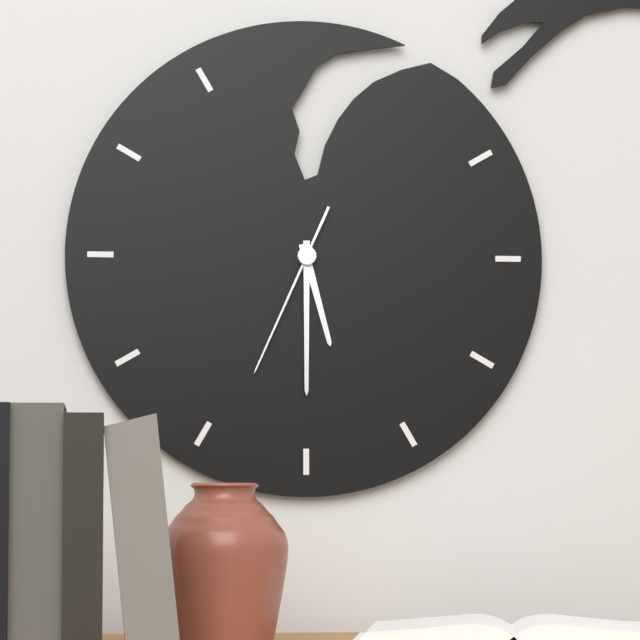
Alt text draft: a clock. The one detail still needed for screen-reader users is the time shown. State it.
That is 5:30:34
